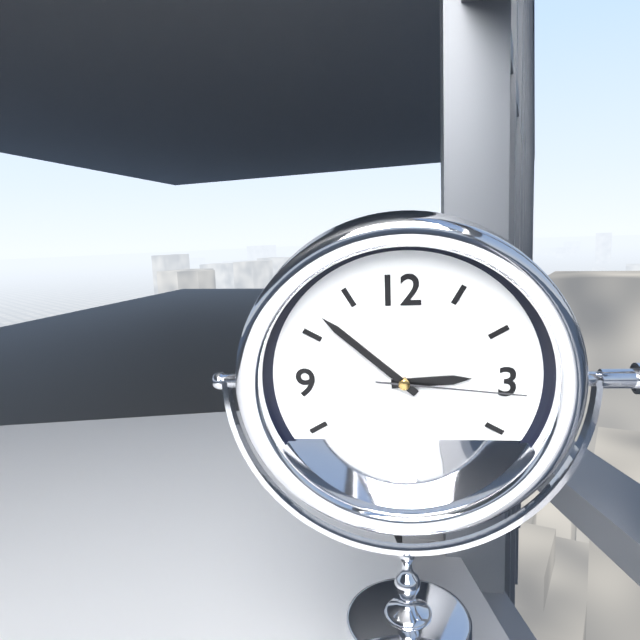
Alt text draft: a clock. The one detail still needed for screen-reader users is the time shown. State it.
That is 2:52:16
